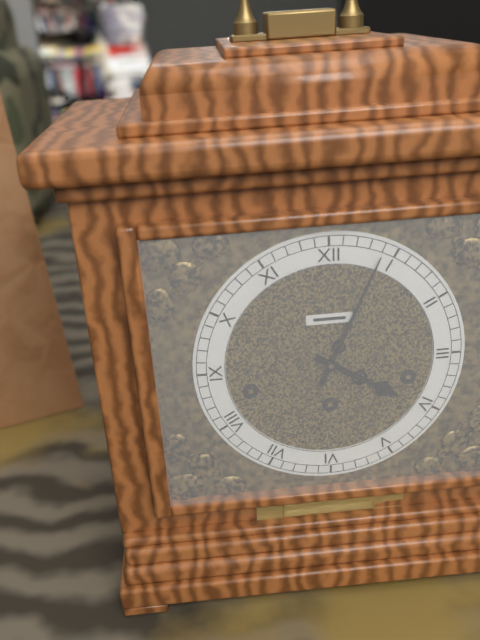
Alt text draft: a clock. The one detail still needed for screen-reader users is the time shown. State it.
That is 4:04
